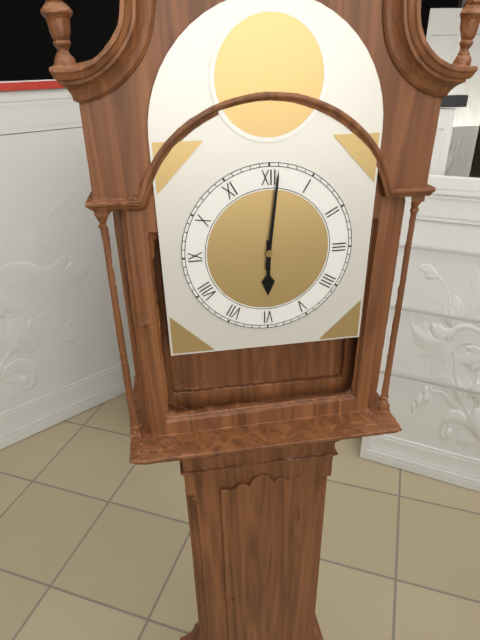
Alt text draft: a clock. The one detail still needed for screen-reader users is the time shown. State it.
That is 6:01
